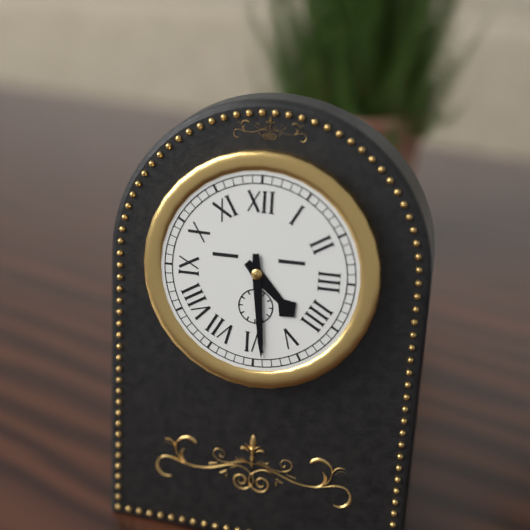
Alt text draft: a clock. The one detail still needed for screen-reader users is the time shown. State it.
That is 4:29
